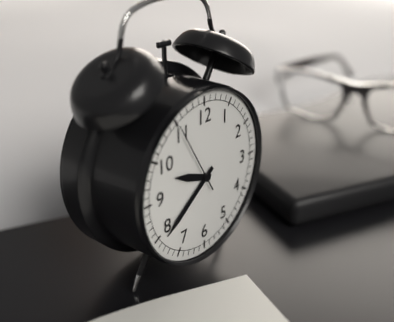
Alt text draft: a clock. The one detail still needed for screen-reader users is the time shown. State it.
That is 9:39:55
